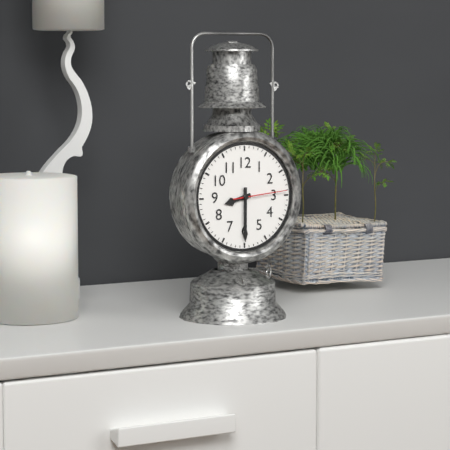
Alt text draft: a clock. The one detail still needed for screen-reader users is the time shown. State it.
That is 8:30:14
